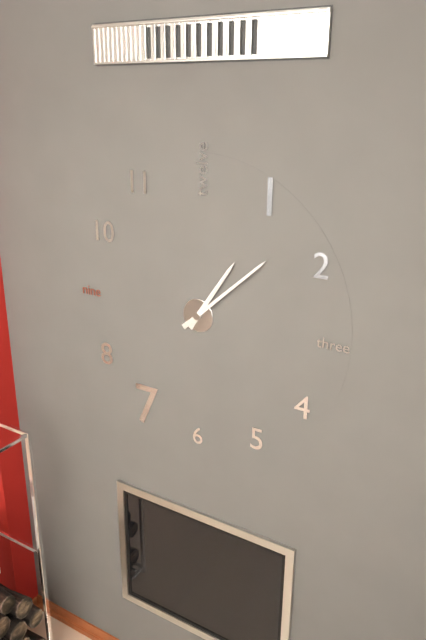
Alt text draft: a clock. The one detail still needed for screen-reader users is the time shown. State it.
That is 1:08
